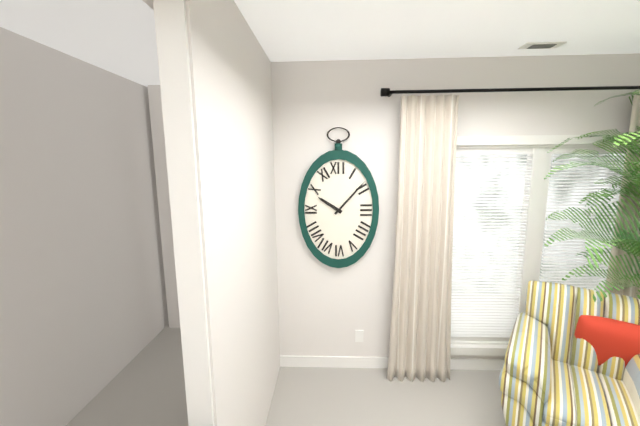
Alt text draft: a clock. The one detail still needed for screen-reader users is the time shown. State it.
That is 10:07
